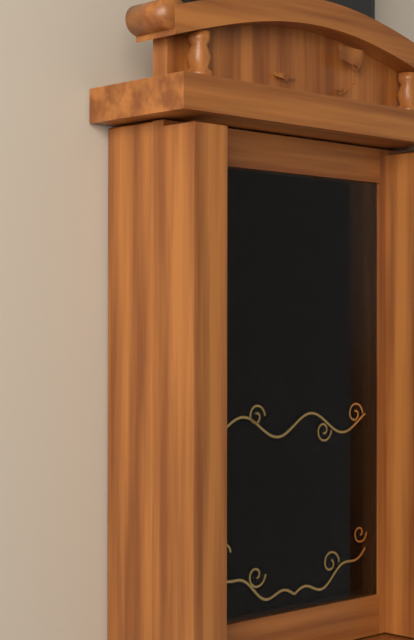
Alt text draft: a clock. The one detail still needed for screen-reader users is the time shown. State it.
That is 12:23:09
